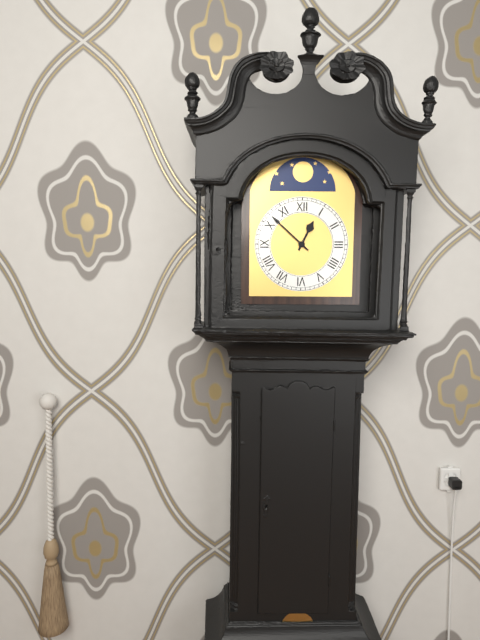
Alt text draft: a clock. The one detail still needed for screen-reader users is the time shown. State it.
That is 12:52
